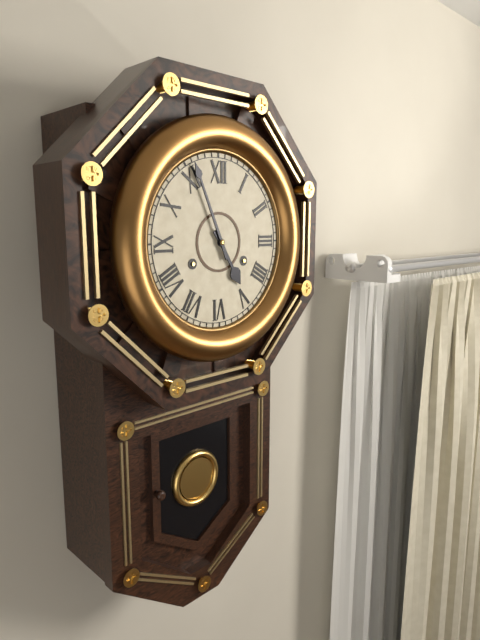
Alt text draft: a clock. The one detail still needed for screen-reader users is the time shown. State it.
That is 4:56
